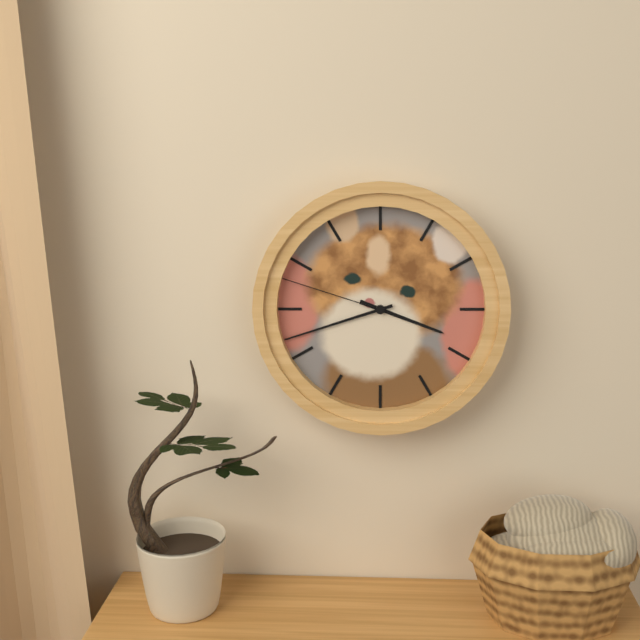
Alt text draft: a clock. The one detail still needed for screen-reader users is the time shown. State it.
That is 3:42:48
